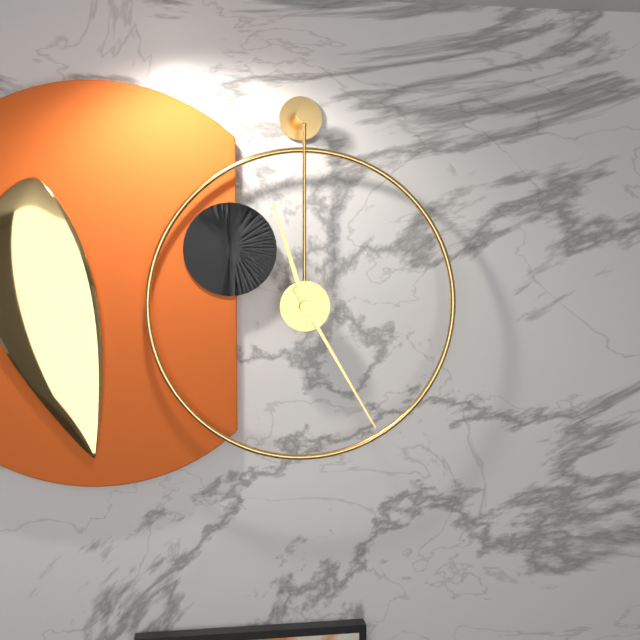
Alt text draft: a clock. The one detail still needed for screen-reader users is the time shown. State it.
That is 11:25
